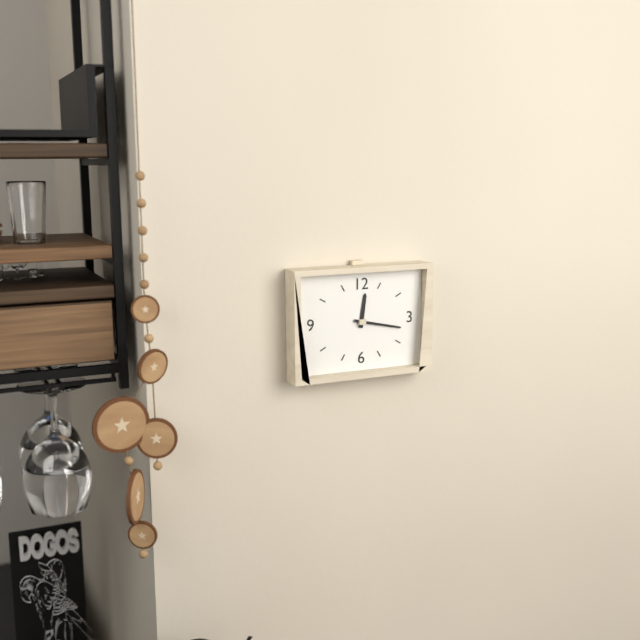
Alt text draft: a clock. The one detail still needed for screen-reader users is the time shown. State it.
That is 12:17
